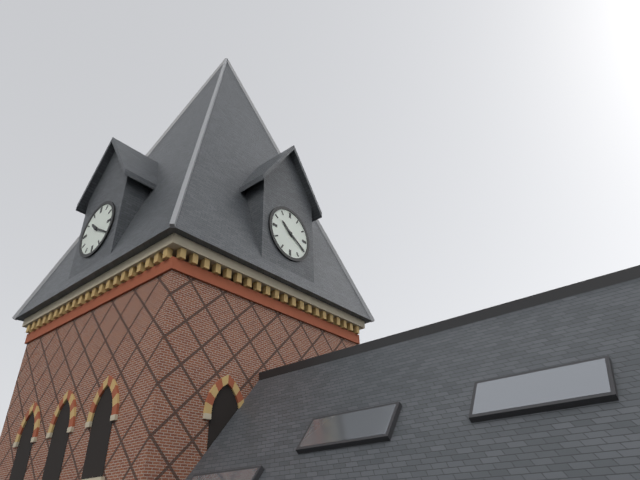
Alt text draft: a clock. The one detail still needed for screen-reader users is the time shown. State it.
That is 10:20
